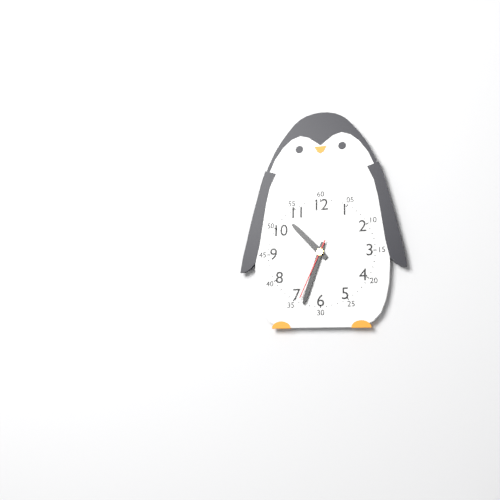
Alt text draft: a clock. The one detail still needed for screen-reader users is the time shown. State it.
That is 10:33:34
